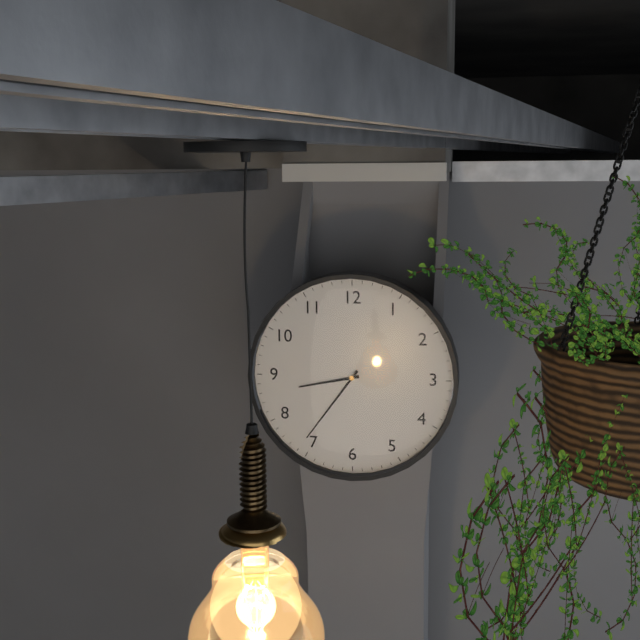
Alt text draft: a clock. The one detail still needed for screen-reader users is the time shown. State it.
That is 8:36
